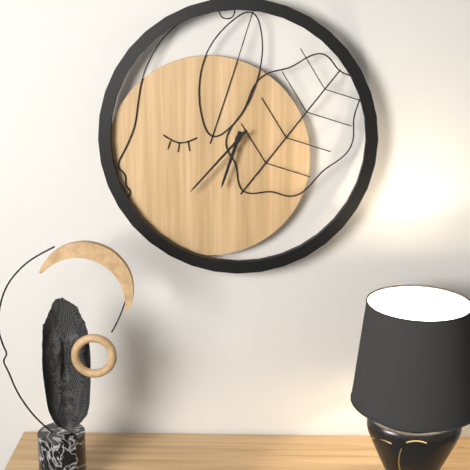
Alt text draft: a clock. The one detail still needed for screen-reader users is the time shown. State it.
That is 6:37
